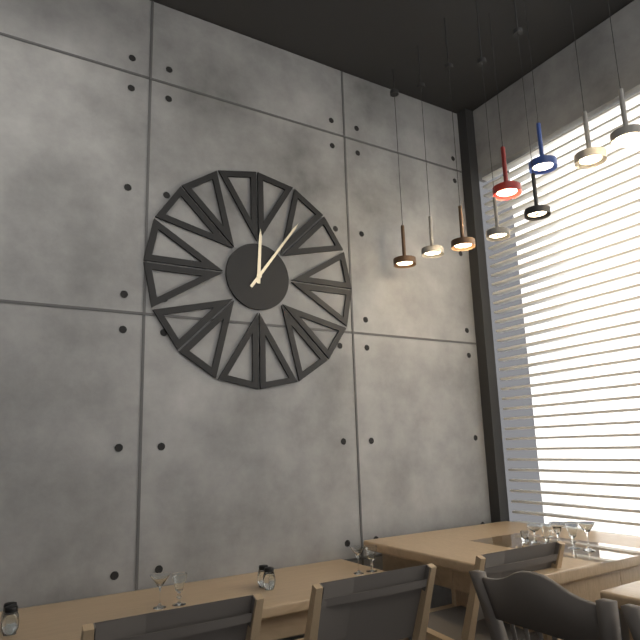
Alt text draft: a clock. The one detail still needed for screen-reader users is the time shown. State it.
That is 12:06
